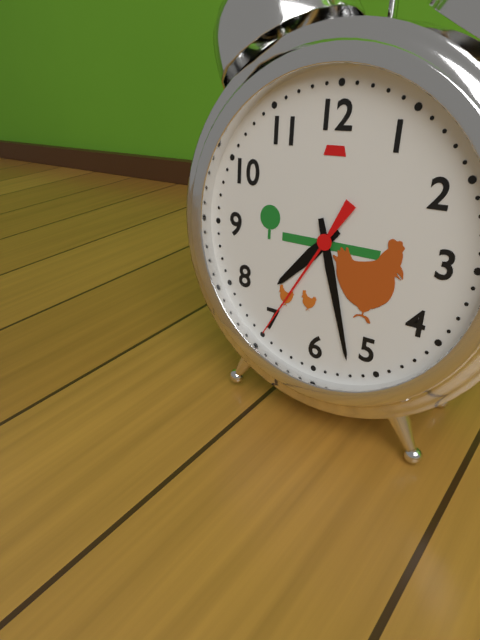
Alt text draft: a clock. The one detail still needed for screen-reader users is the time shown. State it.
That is 7:27:35
